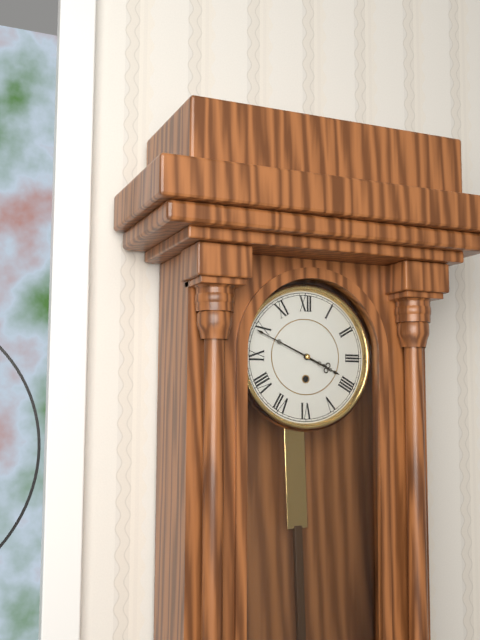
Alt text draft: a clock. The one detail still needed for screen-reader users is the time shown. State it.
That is 3:49
